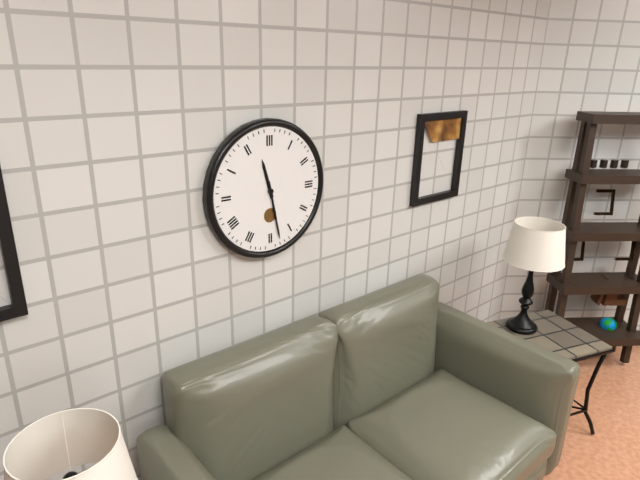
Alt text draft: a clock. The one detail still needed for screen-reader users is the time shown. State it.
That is 11:28
